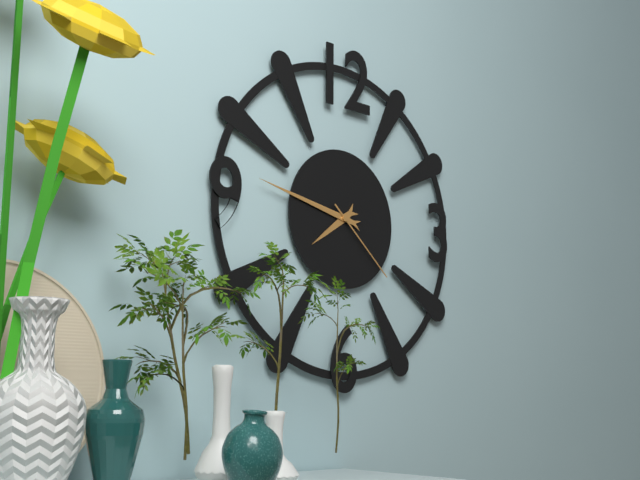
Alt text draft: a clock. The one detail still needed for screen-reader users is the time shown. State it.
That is 7:47:22
